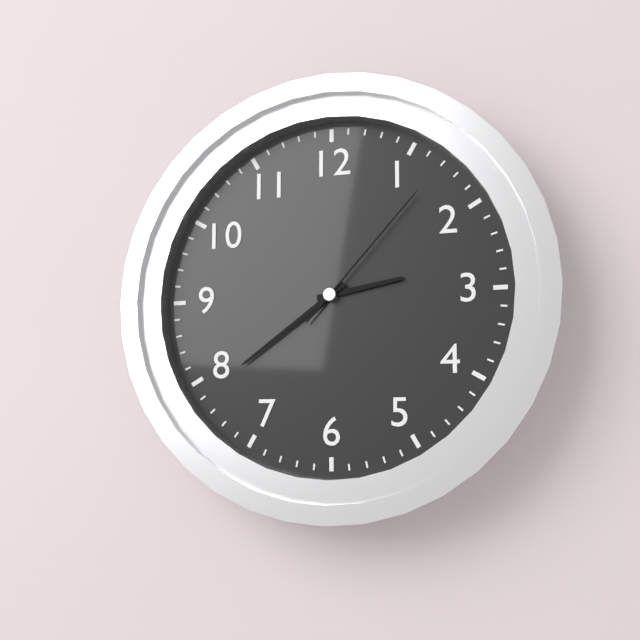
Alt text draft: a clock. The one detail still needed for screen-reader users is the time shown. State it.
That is 2:39:07
